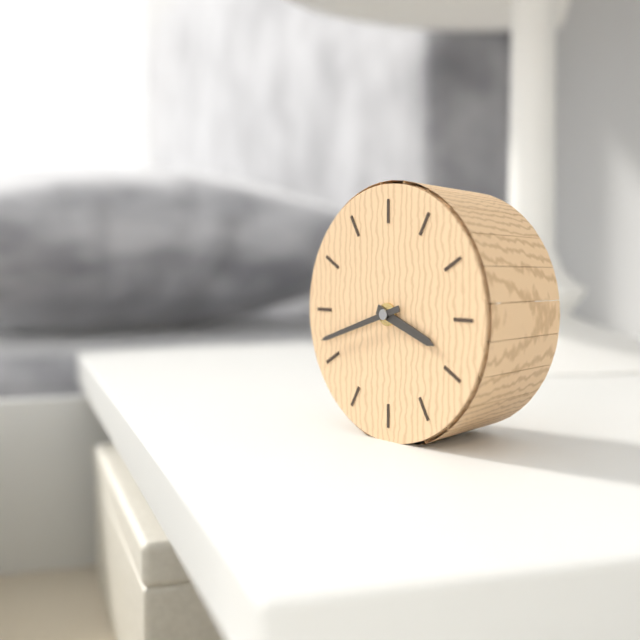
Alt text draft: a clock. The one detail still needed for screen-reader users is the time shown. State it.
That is 3:42
